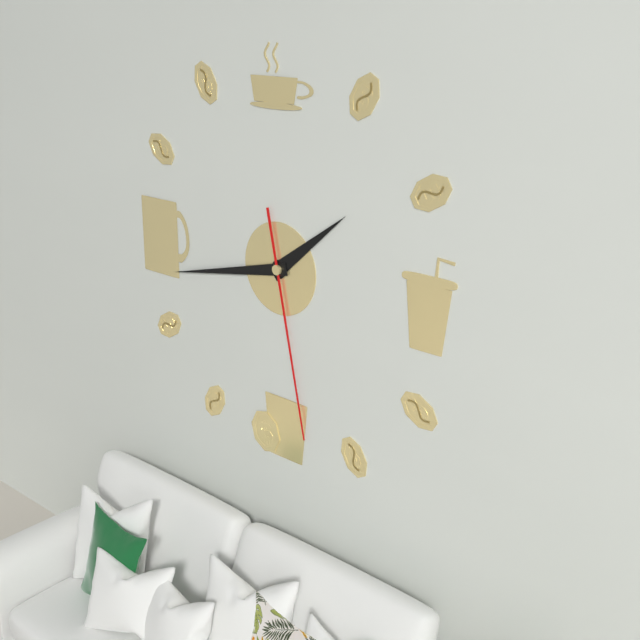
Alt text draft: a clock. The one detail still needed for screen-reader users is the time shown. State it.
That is 1:43:28
